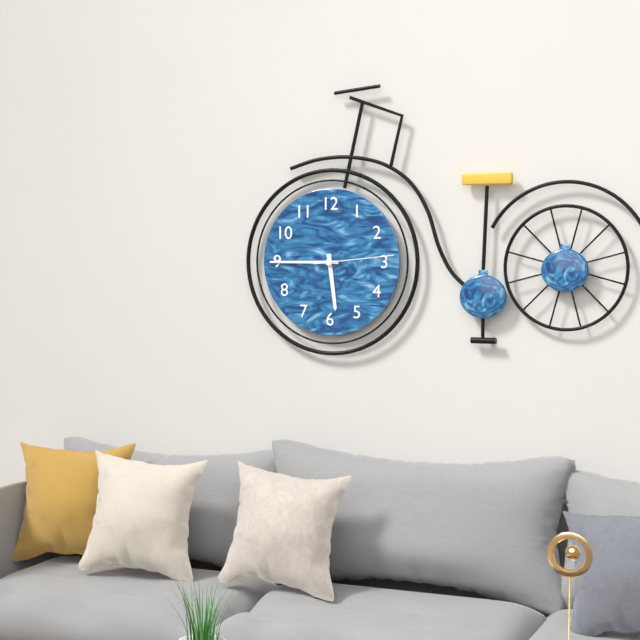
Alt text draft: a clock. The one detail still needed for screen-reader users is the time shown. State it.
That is 5:45:14
